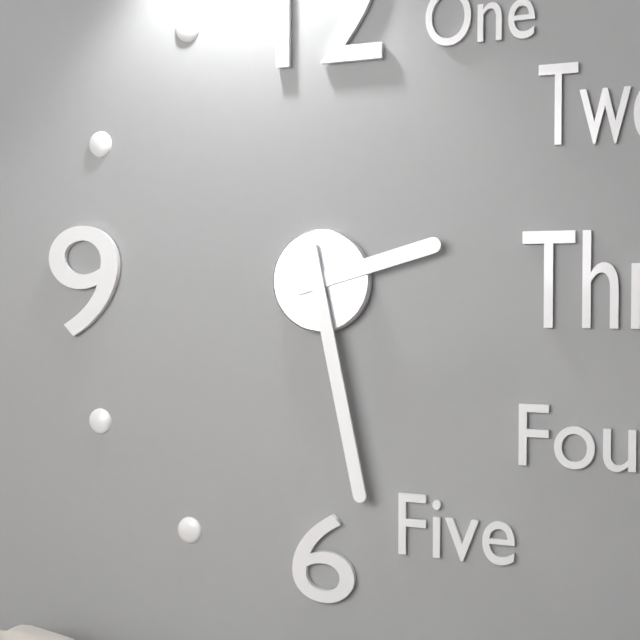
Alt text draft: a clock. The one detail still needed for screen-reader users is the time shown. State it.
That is 2:28
